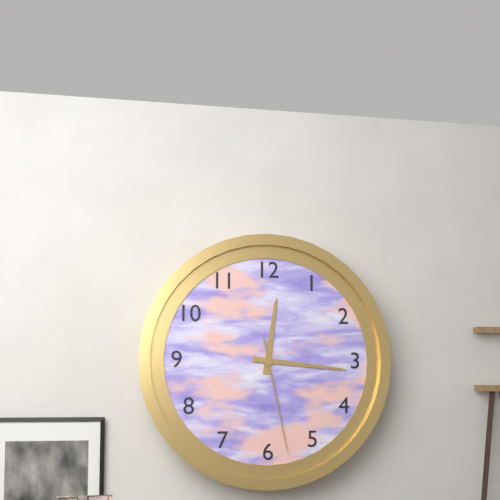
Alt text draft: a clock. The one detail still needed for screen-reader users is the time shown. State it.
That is 12:16:28
